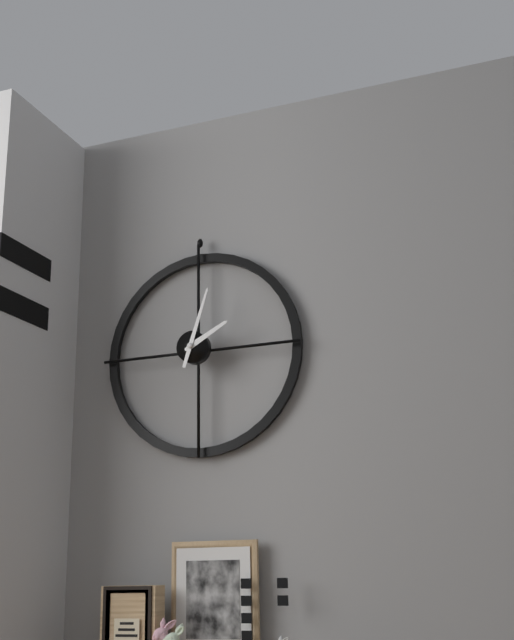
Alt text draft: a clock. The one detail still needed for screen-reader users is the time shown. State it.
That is 2:03
